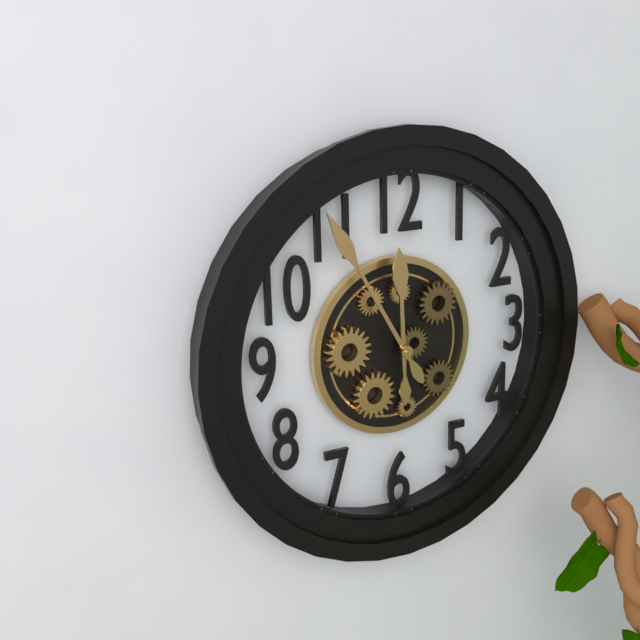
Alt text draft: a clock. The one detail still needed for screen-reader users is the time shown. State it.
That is 11:55
